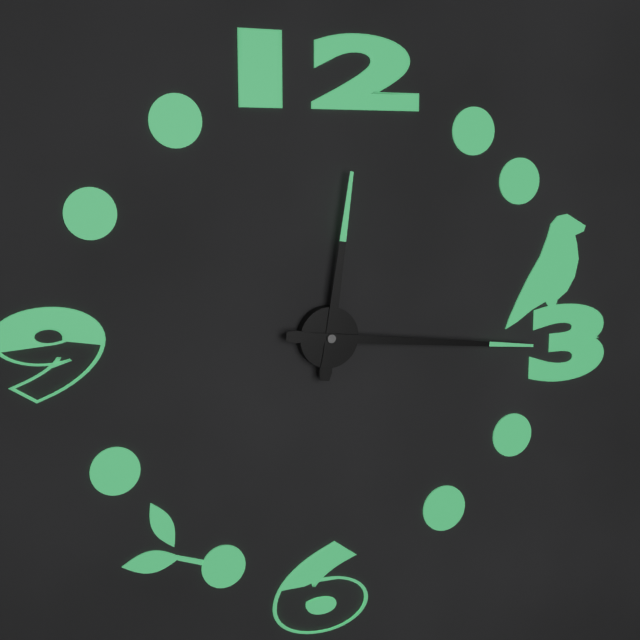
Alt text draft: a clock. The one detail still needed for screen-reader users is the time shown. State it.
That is 12:16
